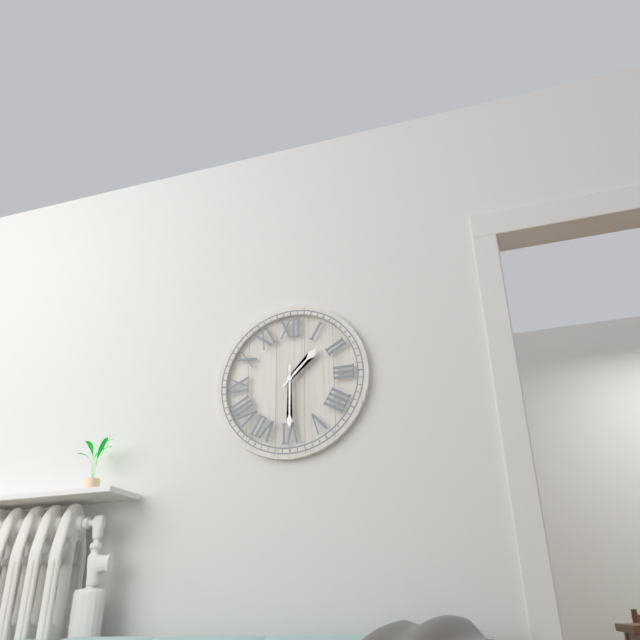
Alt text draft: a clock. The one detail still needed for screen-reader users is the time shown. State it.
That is 1:30
